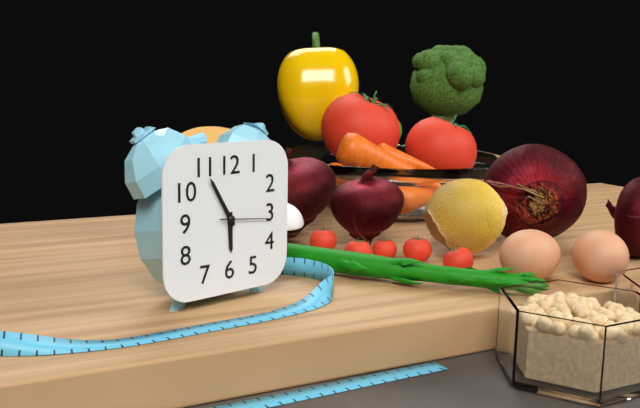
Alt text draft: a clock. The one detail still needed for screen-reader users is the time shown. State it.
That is 5:55:16
